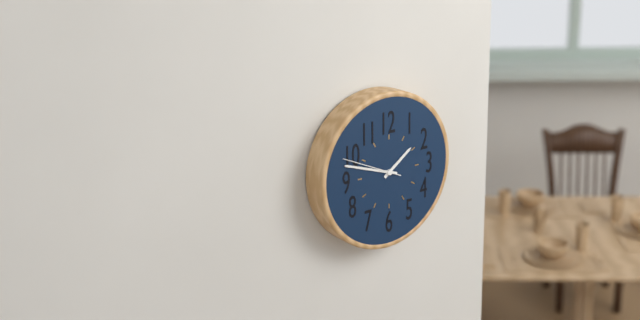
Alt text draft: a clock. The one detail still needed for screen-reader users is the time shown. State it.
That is 1:48:49
